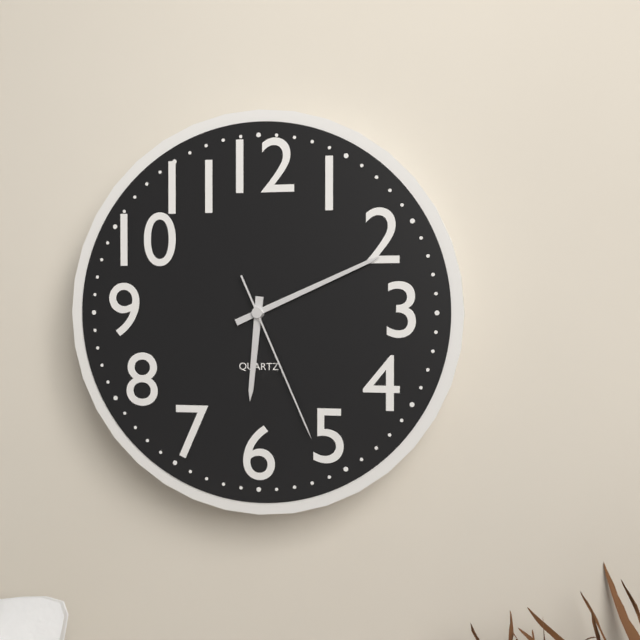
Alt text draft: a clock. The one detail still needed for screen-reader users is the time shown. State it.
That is 6:11:26
